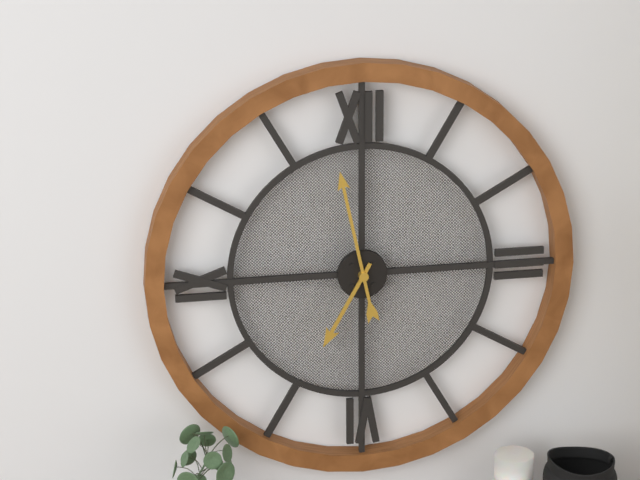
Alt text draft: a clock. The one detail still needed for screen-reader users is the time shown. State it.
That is 6:58
